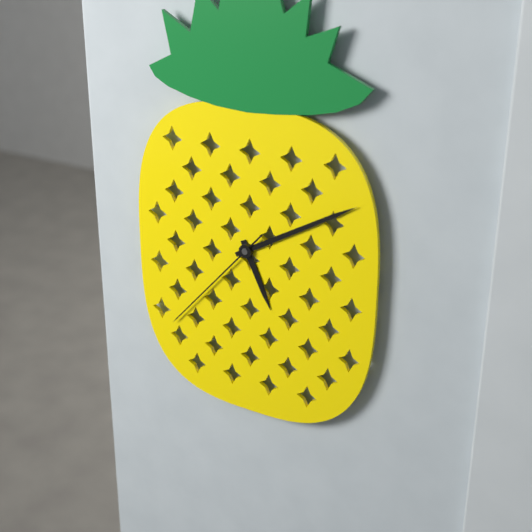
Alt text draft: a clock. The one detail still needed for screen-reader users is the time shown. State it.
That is 5:10:37
